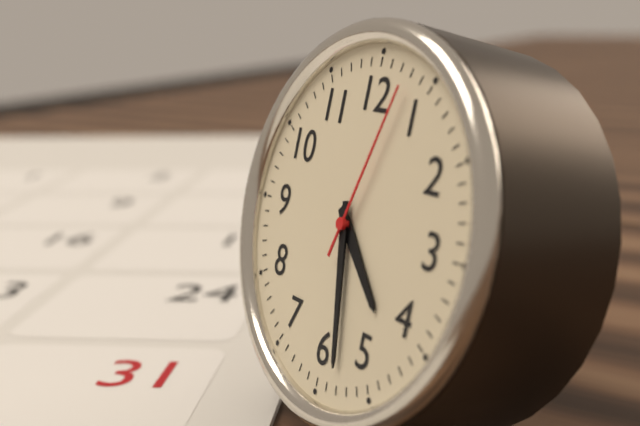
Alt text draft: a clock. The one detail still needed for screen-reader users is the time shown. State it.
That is 4:28:03
